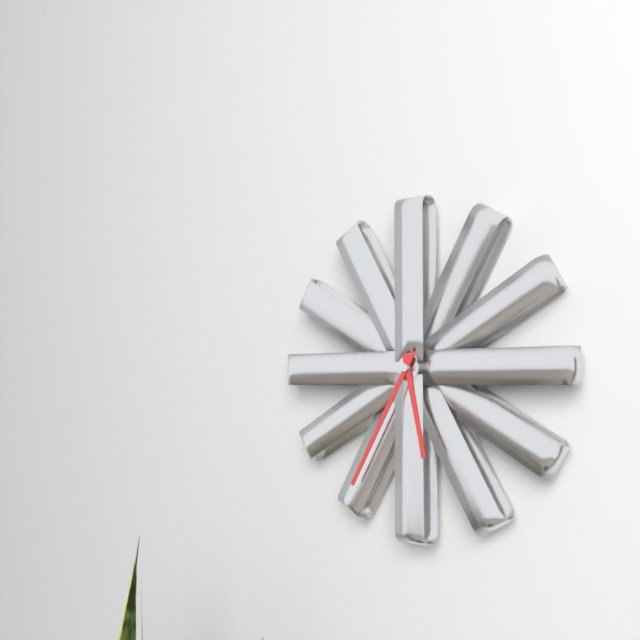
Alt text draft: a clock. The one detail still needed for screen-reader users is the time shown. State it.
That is 5:35
